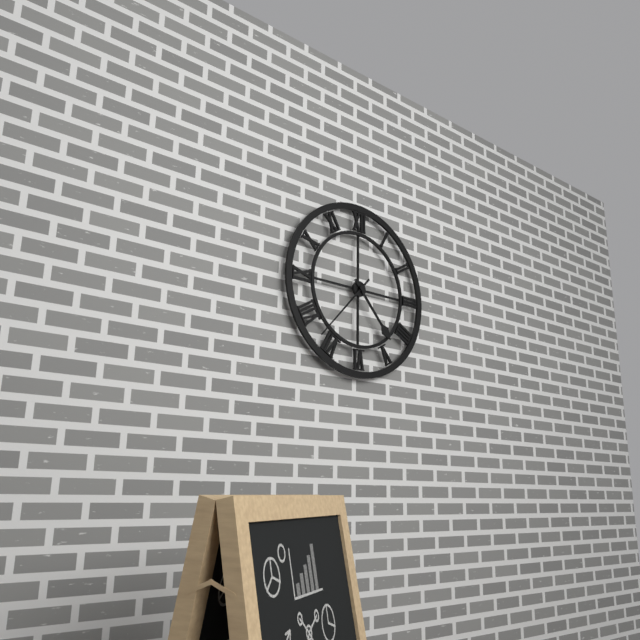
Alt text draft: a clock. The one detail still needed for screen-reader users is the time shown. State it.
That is 4:37
